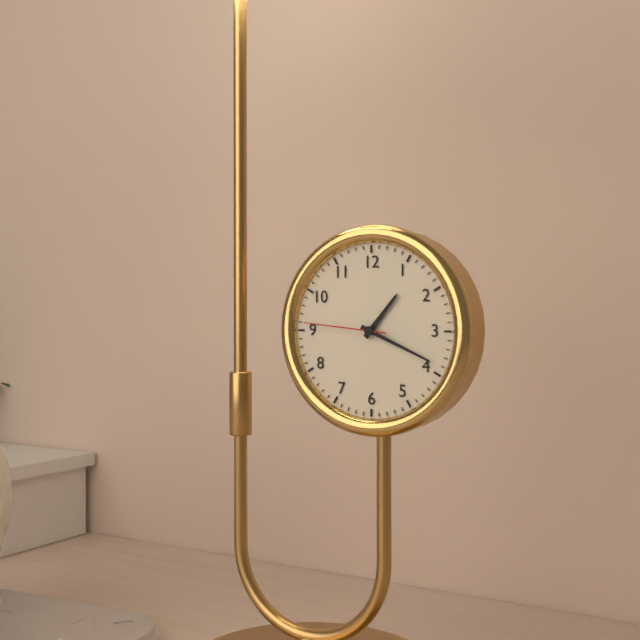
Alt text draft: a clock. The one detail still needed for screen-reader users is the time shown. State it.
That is 1:19:46
